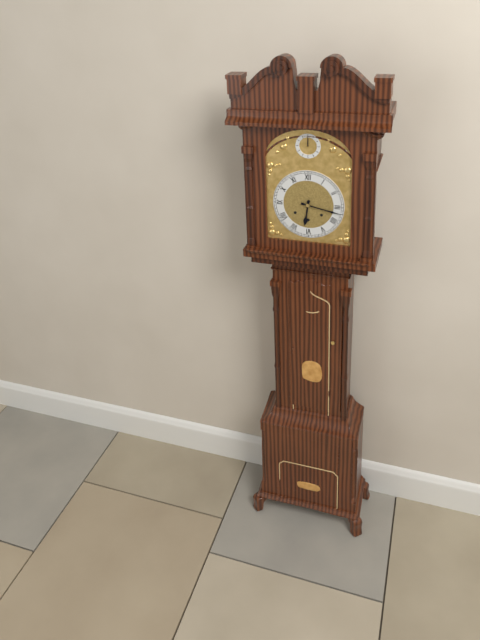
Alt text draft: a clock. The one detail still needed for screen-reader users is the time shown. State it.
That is 6:17
